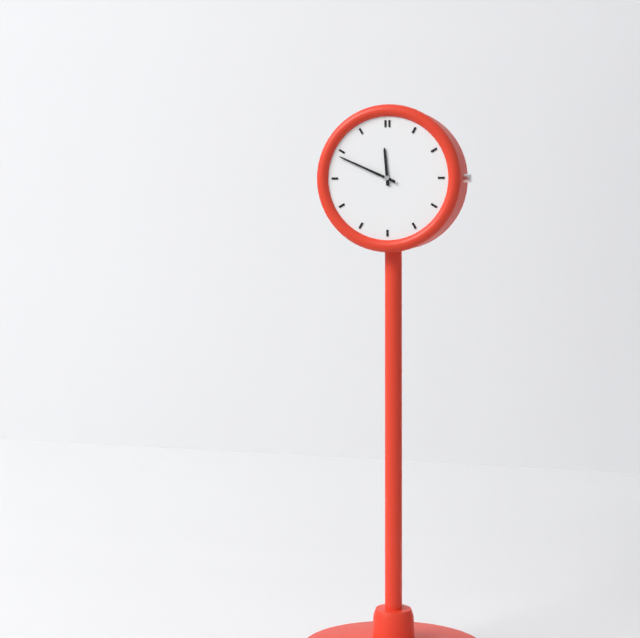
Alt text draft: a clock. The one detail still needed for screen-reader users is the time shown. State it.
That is 11:49
